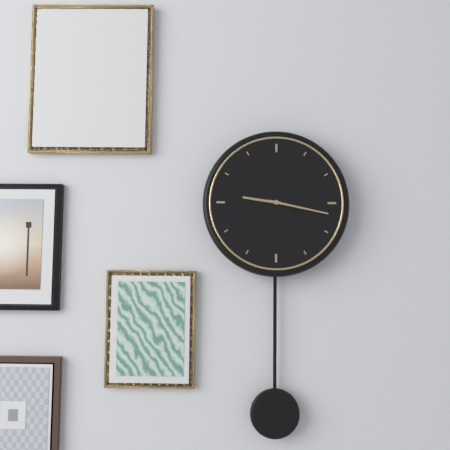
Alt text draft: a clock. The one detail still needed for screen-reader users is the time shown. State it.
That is 9:17
